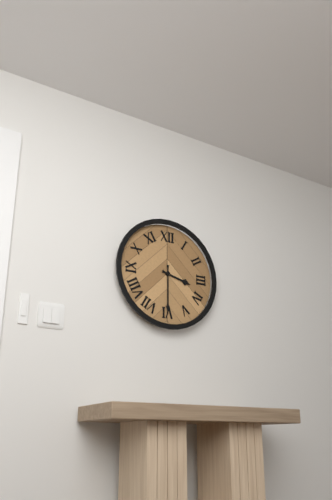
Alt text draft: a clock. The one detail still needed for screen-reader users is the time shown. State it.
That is 3:30
